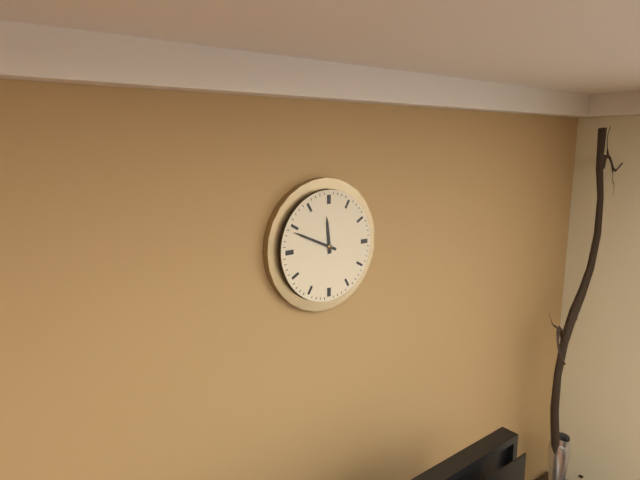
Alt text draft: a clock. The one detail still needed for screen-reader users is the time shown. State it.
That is 11:49
